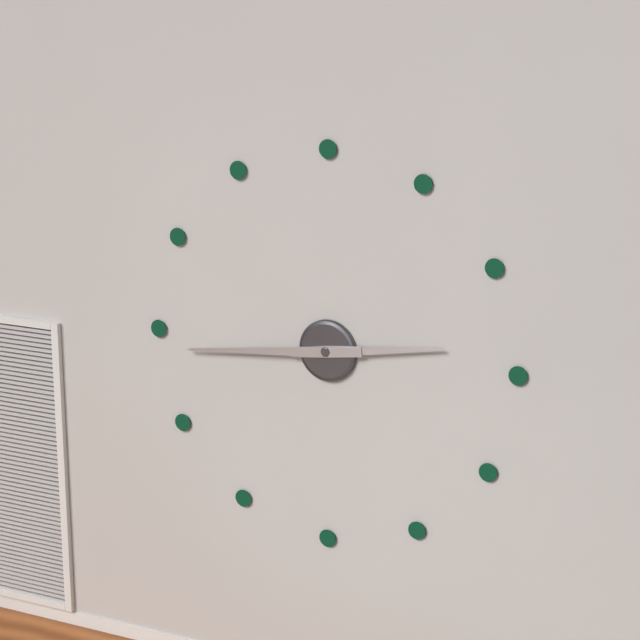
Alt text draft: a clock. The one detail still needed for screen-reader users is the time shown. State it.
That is 2:44
